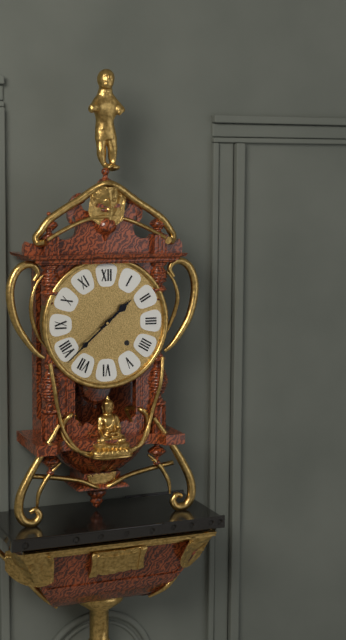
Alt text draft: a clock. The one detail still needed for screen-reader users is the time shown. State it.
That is 1:38
